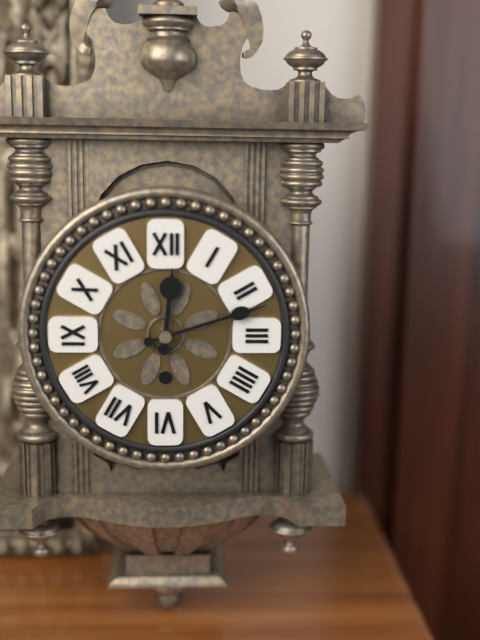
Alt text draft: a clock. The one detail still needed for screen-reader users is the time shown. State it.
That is 12:12
